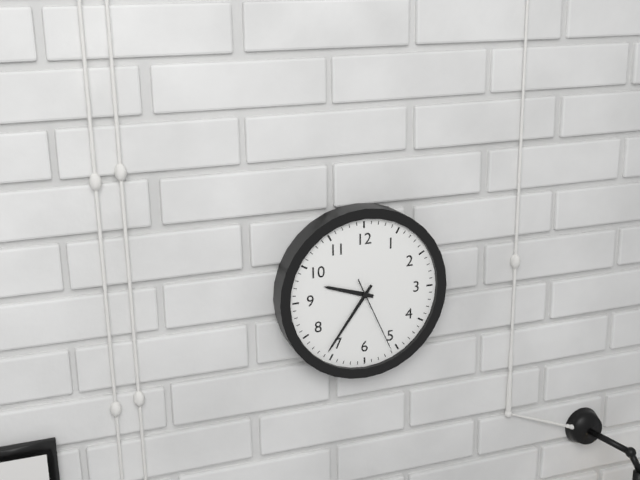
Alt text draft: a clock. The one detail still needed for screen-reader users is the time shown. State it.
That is 9:36:26
